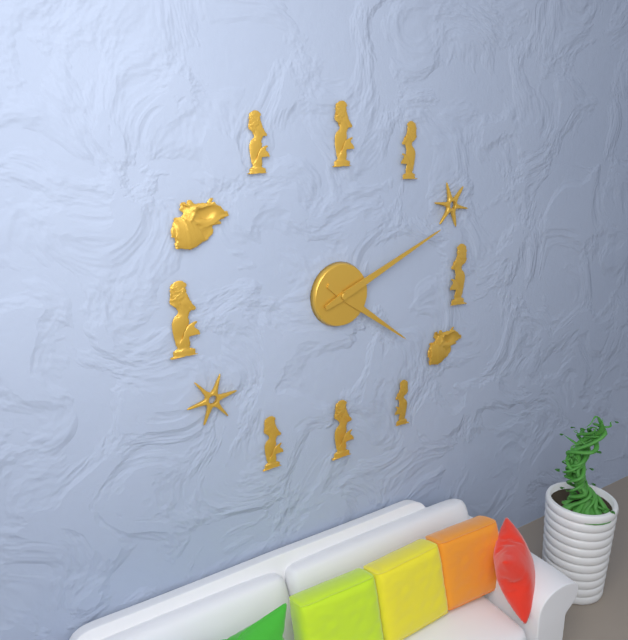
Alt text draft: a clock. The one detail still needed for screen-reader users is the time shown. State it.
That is 4:11
